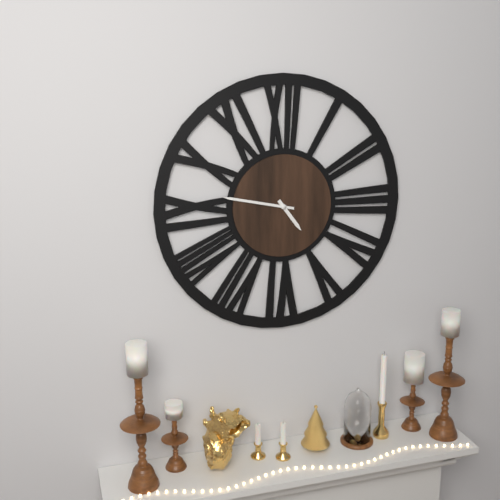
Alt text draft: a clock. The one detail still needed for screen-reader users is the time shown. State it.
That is 4:47
